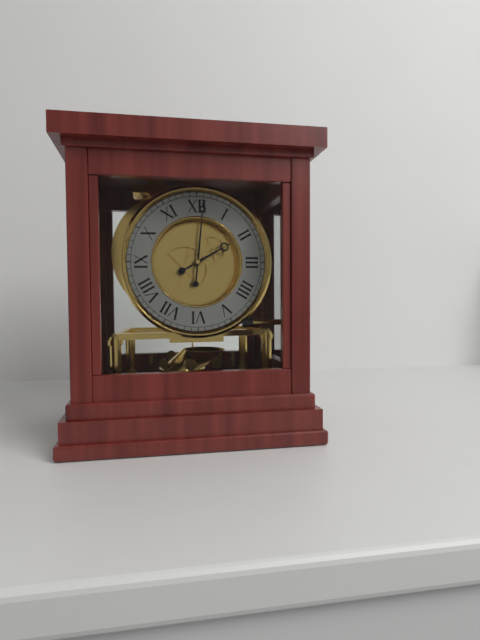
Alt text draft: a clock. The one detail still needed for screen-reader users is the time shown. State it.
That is 2:01
